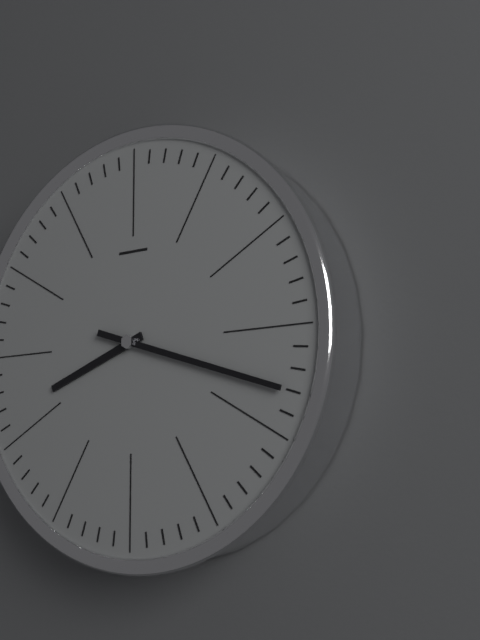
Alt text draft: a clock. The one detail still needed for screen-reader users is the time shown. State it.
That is 8:18
